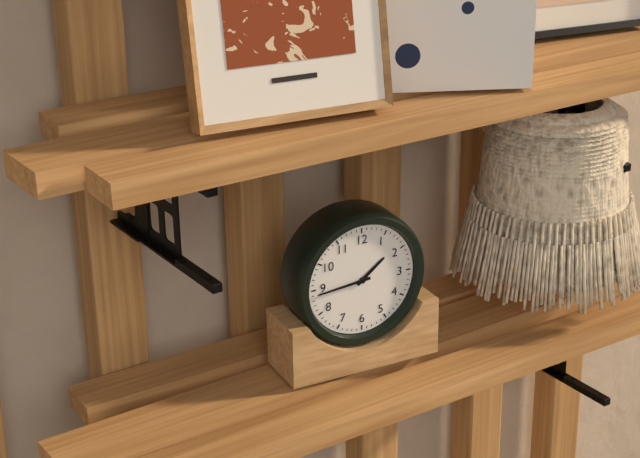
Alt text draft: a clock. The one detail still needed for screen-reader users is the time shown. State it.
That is 1:44
